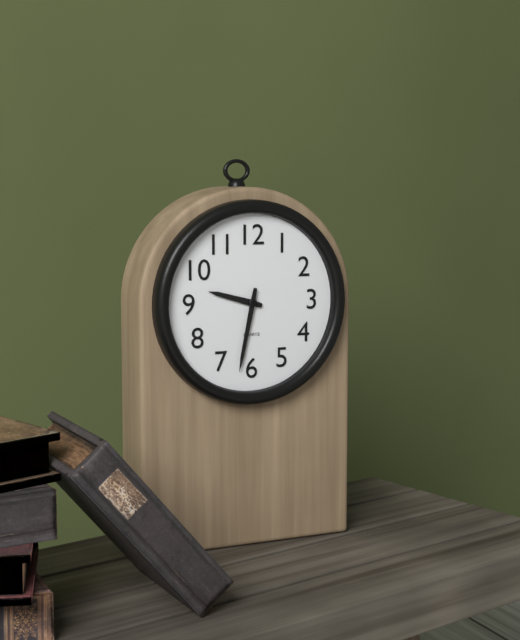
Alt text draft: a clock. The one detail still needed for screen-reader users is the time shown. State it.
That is 9:32
